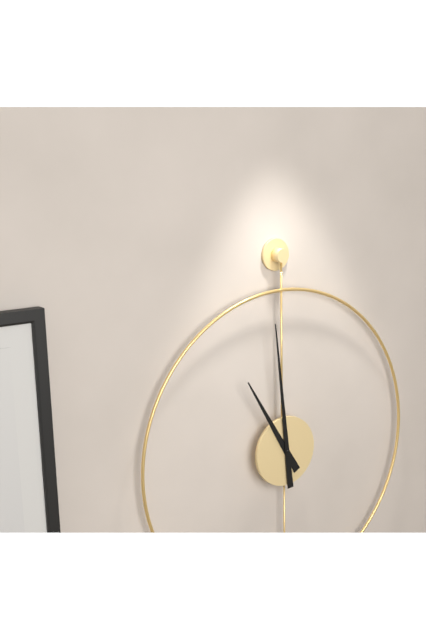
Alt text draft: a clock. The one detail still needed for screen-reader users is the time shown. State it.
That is 10:59
